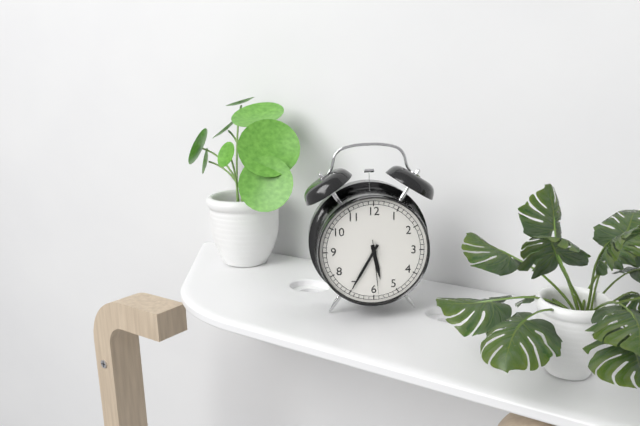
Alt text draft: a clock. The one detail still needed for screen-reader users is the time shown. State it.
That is 5:35:29
